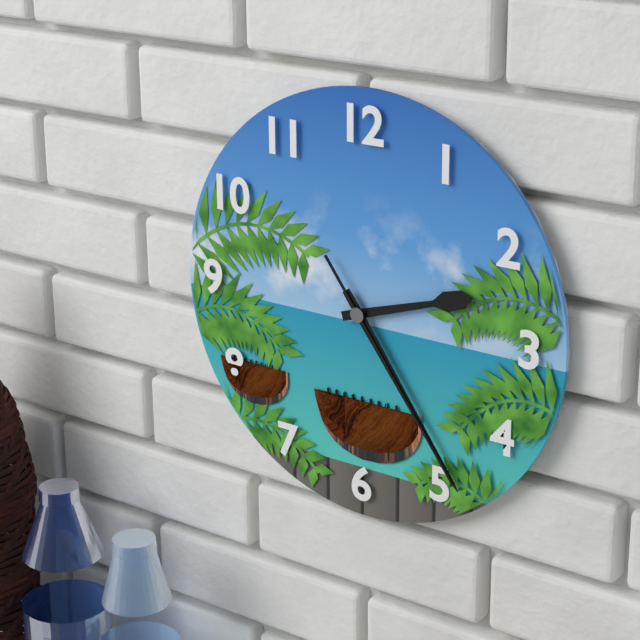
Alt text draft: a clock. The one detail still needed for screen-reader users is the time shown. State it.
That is 2:24:24
